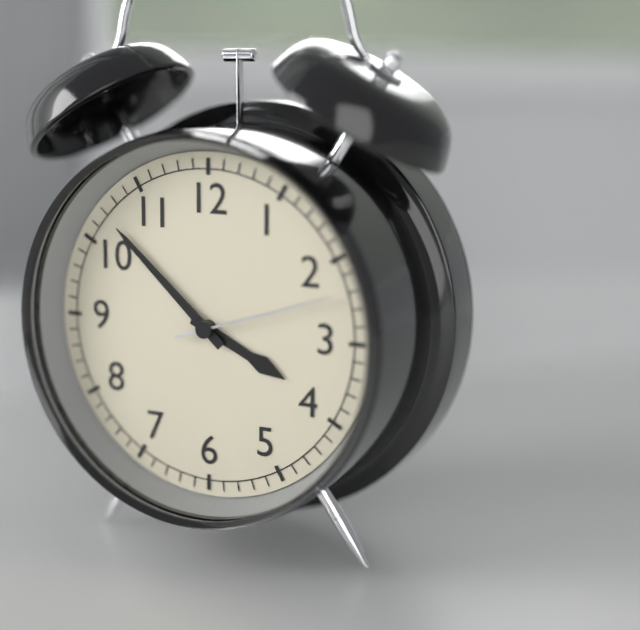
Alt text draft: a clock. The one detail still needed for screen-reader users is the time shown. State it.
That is 3:52:12
